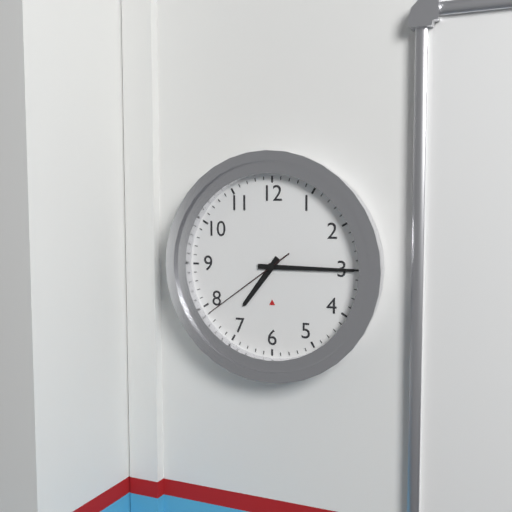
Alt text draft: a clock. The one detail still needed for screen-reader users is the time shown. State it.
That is 7:15:39
